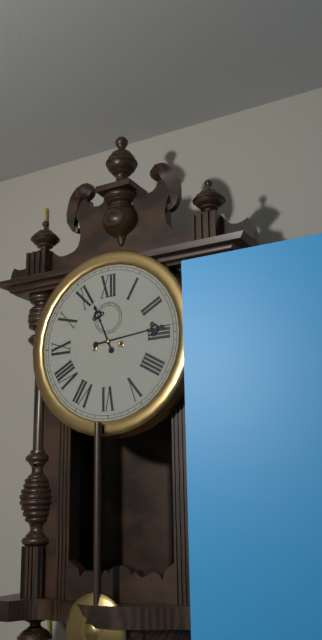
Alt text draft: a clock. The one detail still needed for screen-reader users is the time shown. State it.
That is 11:14
